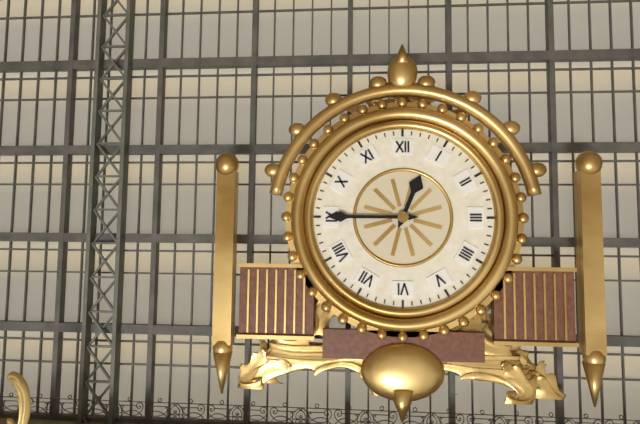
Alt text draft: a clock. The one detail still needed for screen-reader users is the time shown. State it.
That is 12:45
